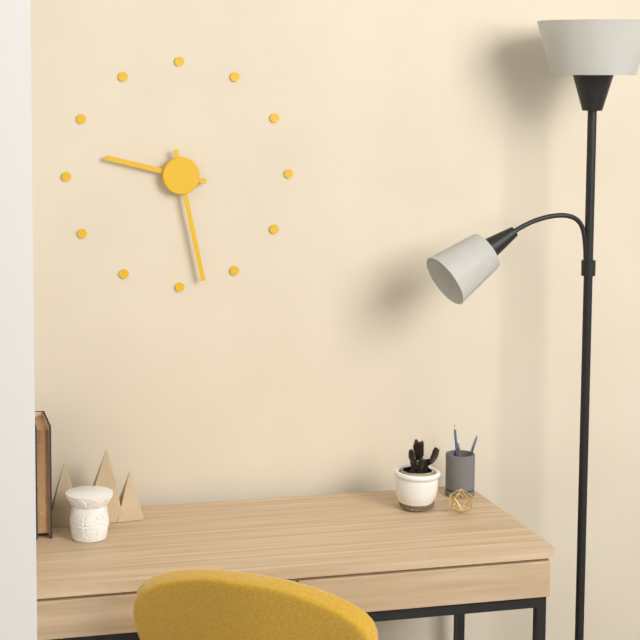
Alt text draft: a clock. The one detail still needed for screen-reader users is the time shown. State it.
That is 9:28
